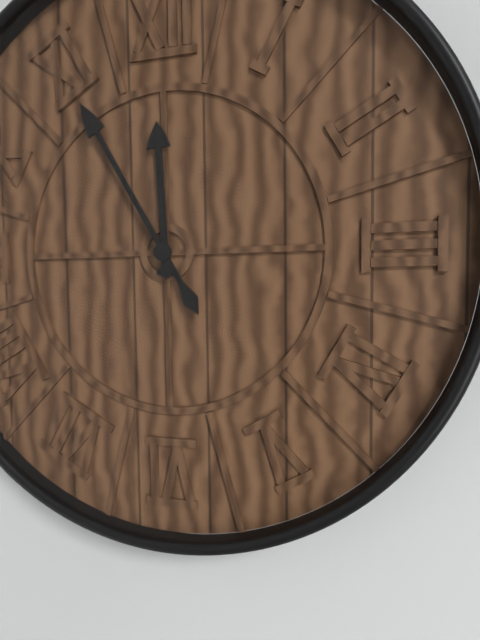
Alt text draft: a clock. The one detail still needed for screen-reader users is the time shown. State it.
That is 11:55
